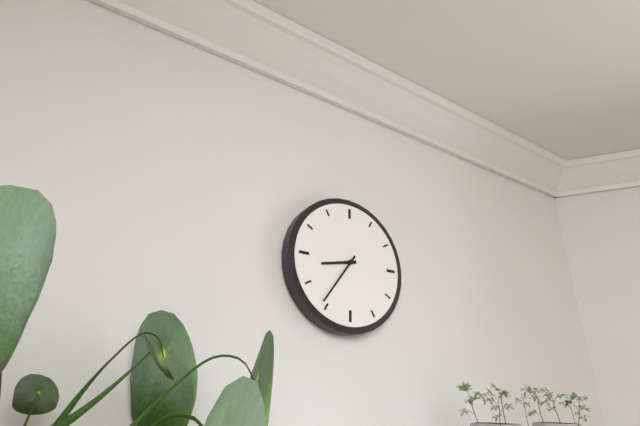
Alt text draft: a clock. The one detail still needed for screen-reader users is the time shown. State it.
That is 8:36
